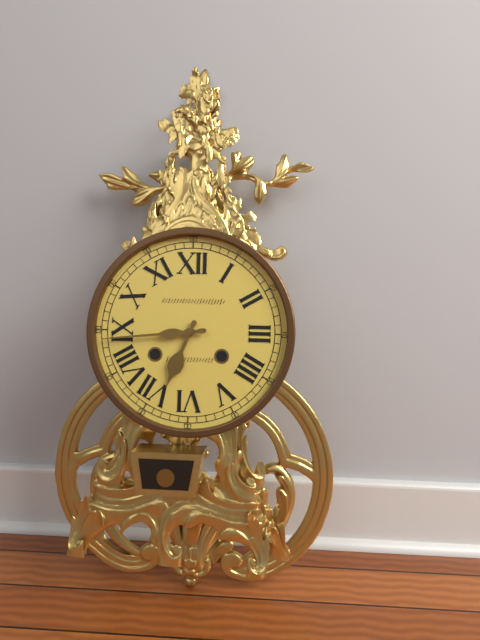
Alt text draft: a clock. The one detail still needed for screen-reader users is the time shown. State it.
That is 6:44
